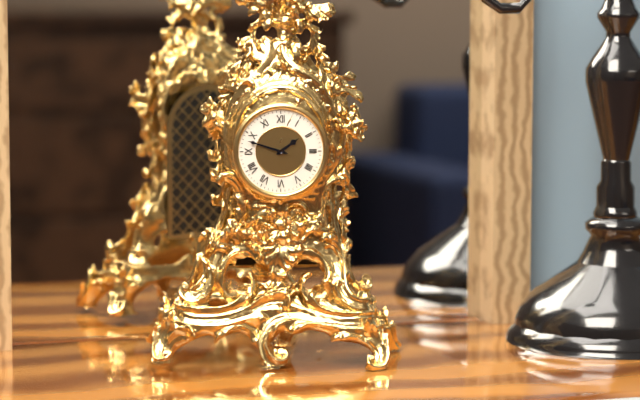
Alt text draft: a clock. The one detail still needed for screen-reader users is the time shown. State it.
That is 1:48
